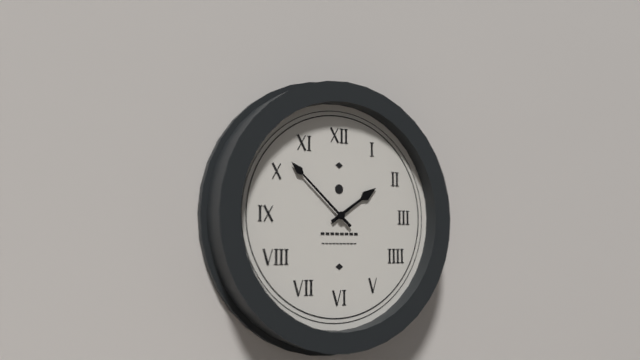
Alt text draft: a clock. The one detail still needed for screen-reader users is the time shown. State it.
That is 1:52
